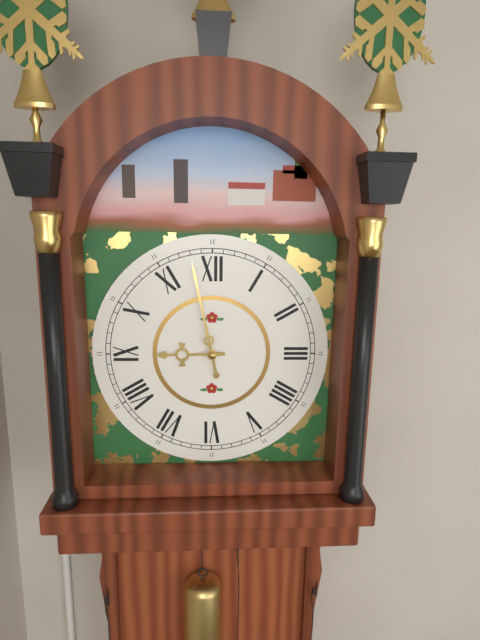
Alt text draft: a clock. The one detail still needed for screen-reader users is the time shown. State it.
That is 8:58
